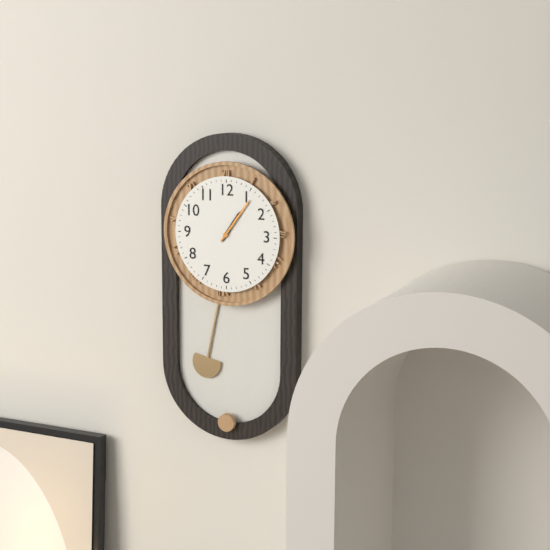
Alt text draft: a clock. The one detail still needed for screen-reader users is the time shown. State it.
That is 1:06
